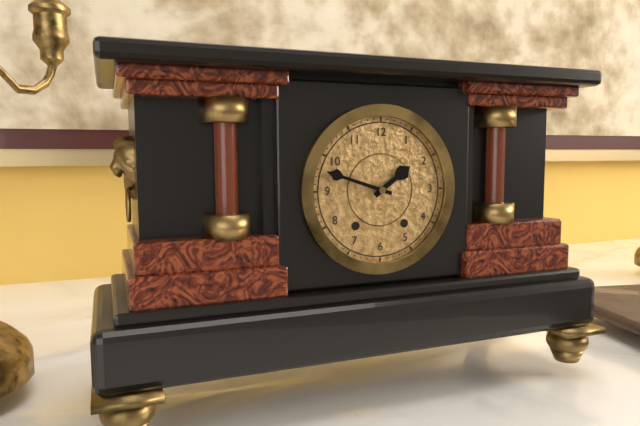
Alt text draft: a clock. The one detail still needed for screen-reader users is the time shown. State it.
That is 1:48
